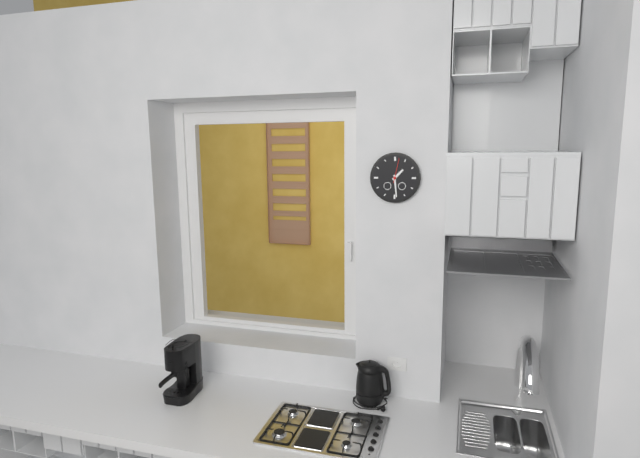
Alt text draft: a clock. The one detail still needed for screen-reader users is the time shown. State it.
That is 1:29
